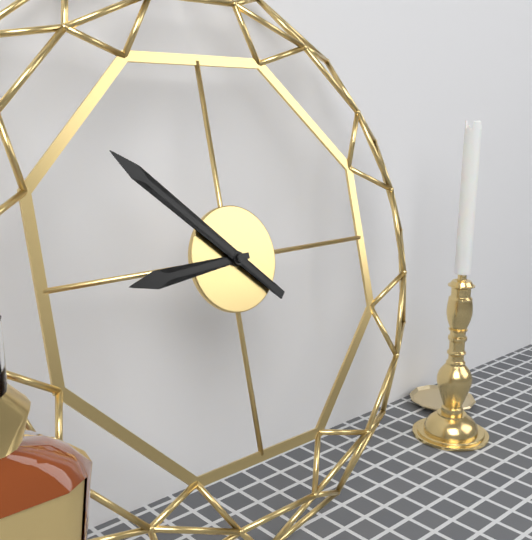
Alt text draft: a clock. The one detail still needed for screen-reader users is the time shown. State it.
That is 8:52
